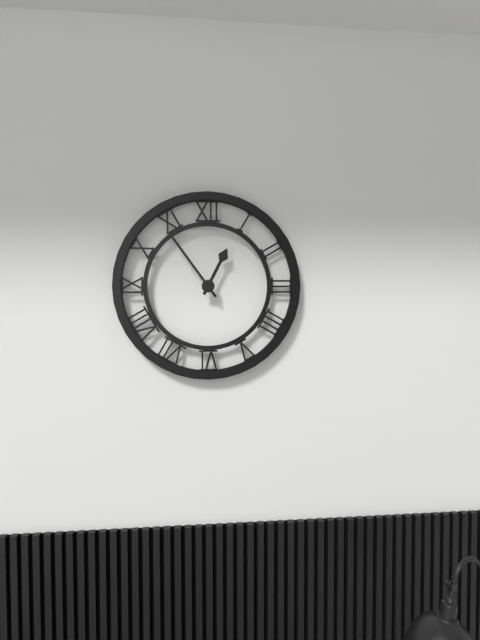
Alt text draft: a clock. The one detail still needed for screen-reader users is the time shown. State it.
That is 12:54
